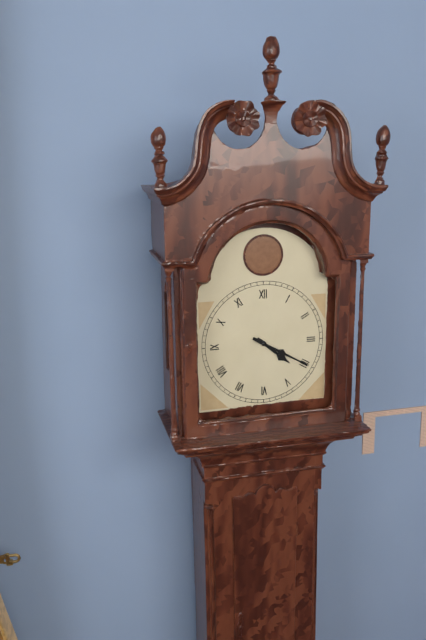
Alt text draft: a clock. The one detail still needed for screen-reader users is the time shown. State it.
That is 4:20
